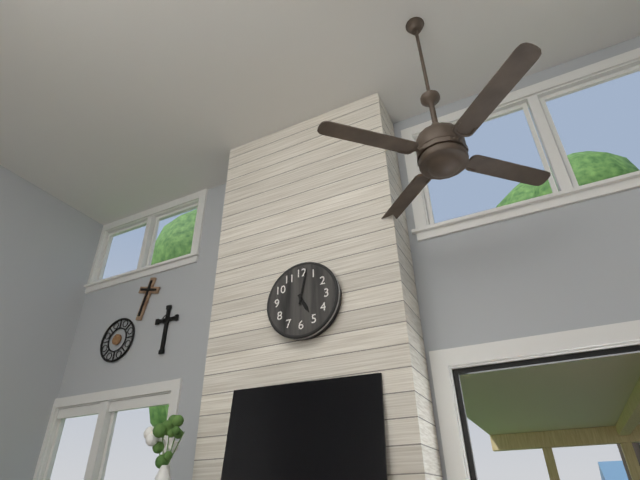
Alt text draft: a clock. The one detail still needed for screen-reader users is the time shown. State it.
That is 5:02
